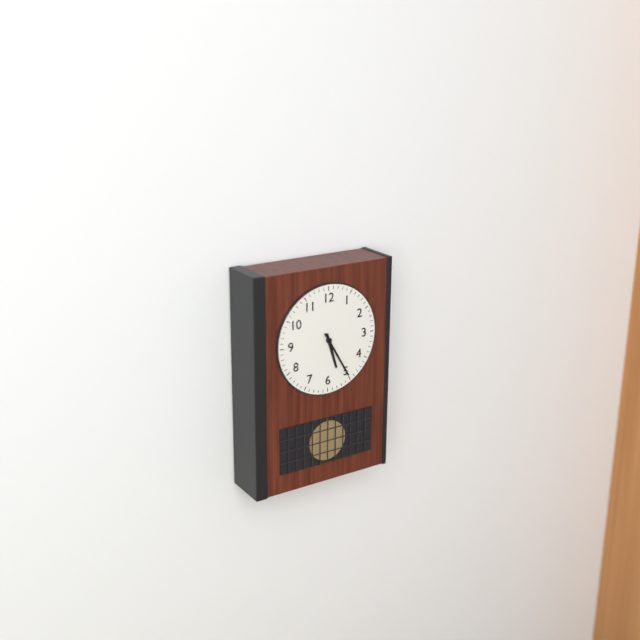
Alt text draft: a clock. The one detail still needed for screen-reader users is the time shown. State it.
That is 5:25
